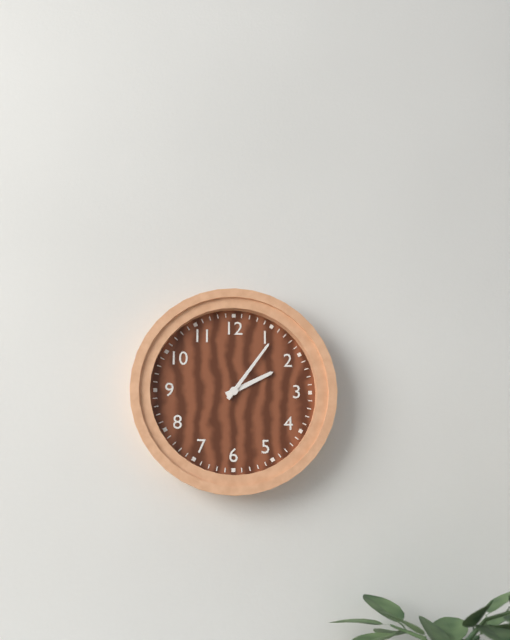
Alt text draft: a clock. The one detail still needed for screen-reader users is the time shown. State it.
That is 2:06
